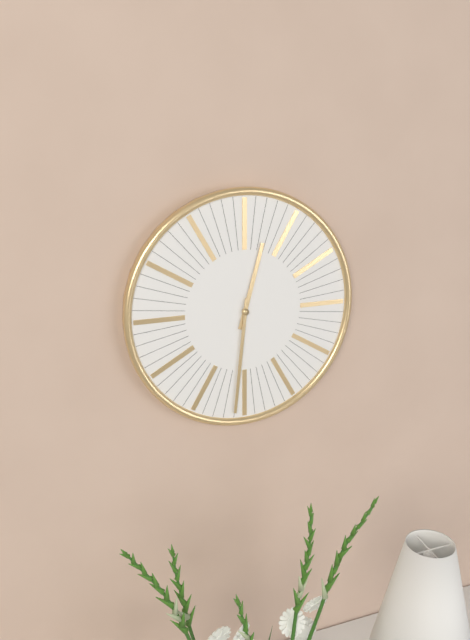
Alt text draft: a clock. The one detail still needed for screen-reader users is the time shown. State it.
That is 12:31
